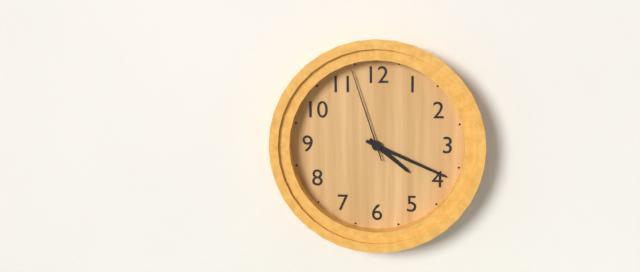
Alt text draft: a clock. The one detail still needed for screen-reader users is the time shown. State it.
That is 4:19:57
